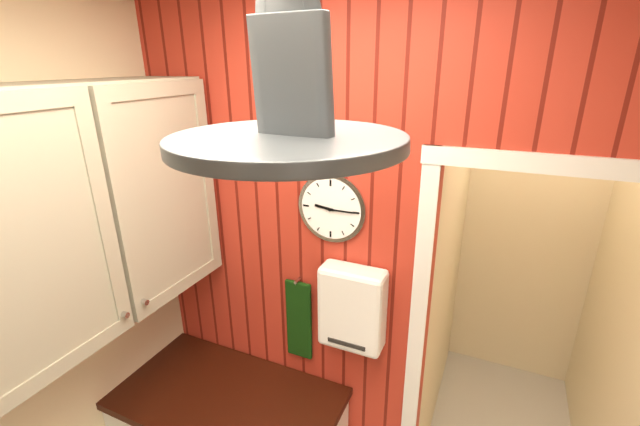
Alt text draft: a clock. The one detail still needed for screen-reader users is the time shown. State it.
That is 9:15
